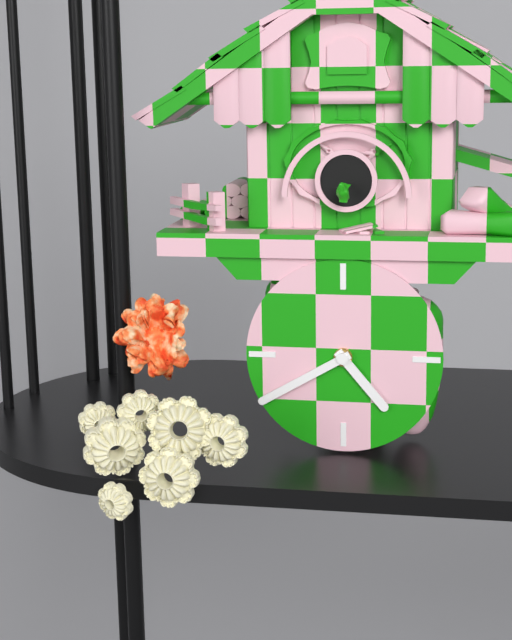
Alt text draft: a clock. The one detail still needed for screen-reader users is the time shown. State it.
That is 4:40
